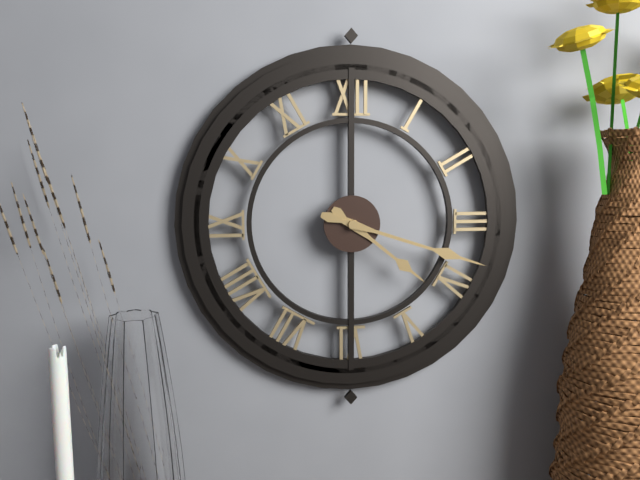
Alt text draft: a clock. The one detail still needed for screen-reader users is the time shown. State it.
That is 4:18
